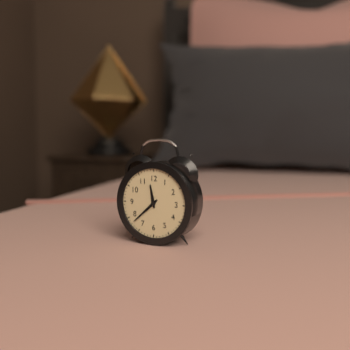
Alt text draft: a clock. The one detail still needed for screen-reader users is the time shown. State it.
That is 11:38
